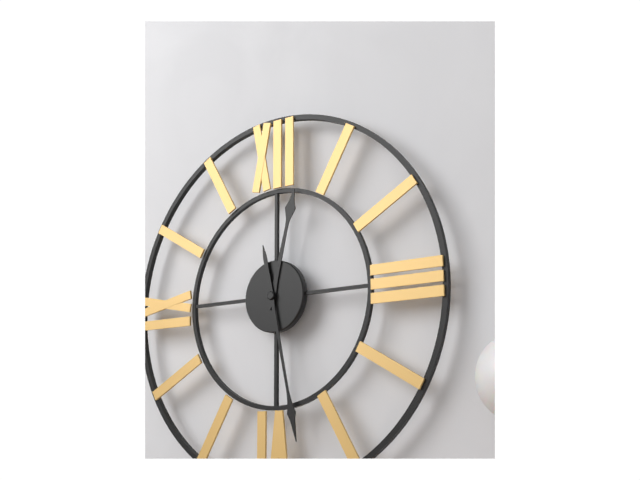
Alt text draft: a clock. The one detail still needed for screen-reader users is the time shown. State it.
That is 12:28
